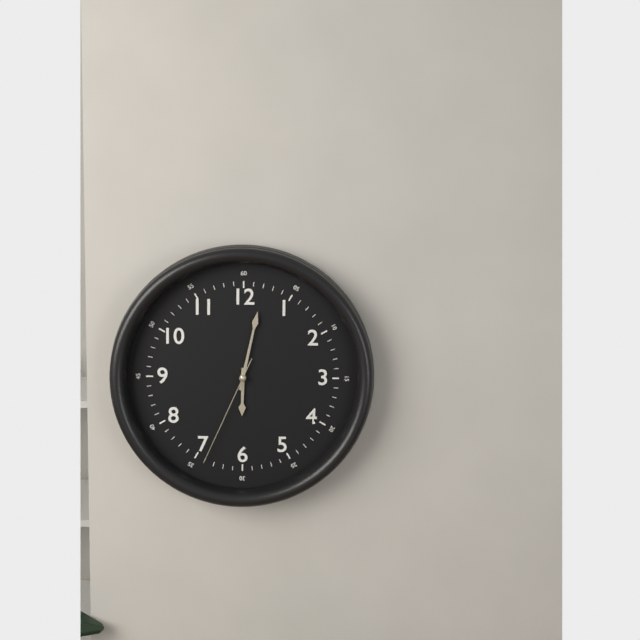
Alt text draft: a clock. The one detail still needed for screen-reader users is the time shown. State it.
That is 6:02:34
